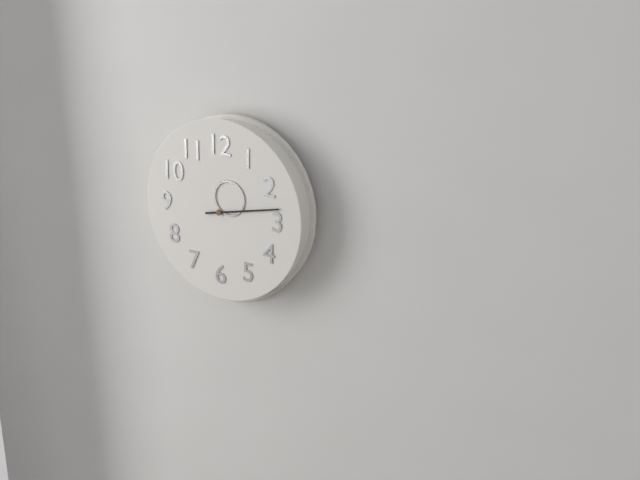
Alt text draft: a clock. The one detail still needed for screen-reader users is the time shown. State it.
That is 1:13
